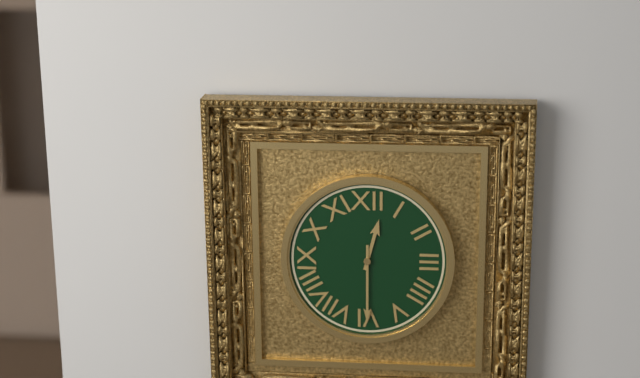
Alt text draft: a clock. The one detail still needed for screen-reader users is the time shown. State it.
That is 12:30
